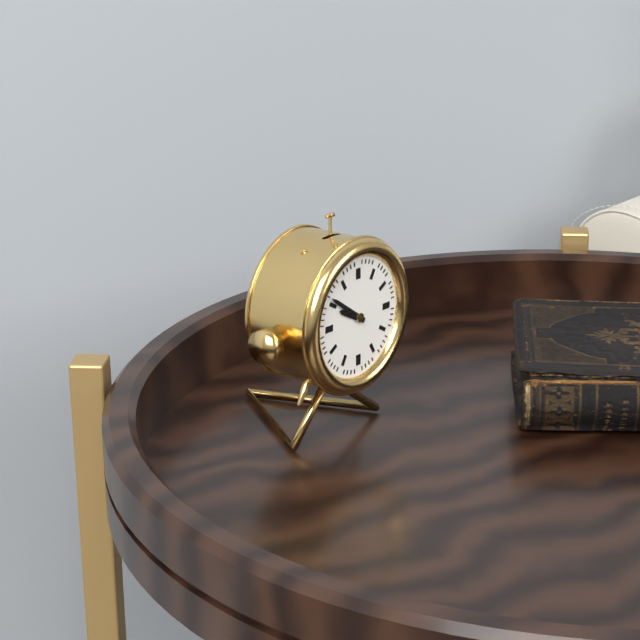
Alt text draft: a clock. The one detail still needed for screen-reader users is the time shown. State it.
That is 9:51
